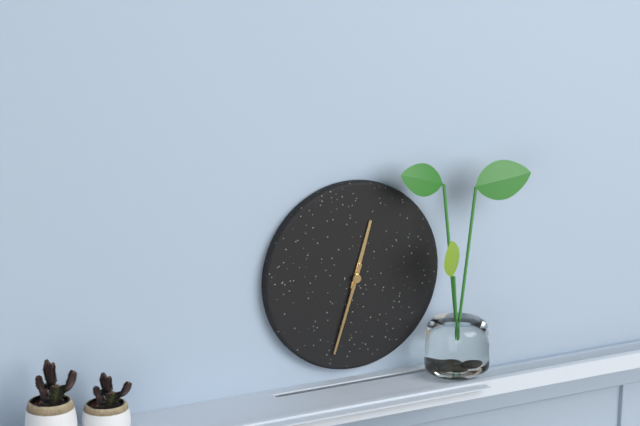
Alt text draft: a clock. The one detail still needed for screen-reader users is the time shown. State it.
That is 12:33
